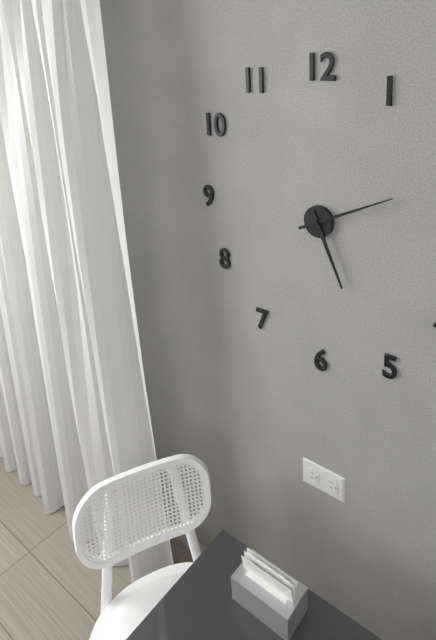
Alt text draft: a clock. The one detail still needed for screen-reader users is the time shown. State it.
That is 5:11
